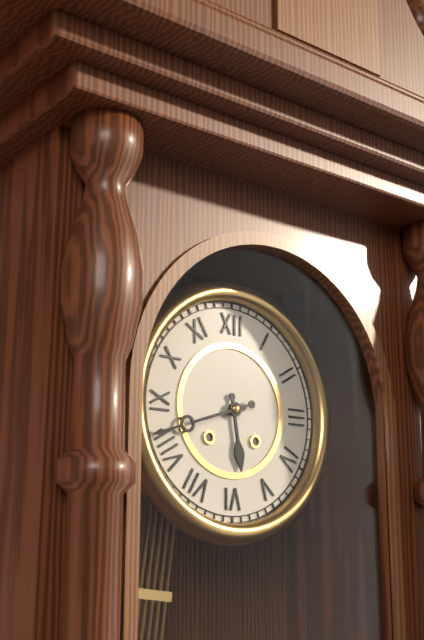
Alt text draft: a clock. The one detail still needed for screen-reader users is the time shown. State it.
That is 5:42
